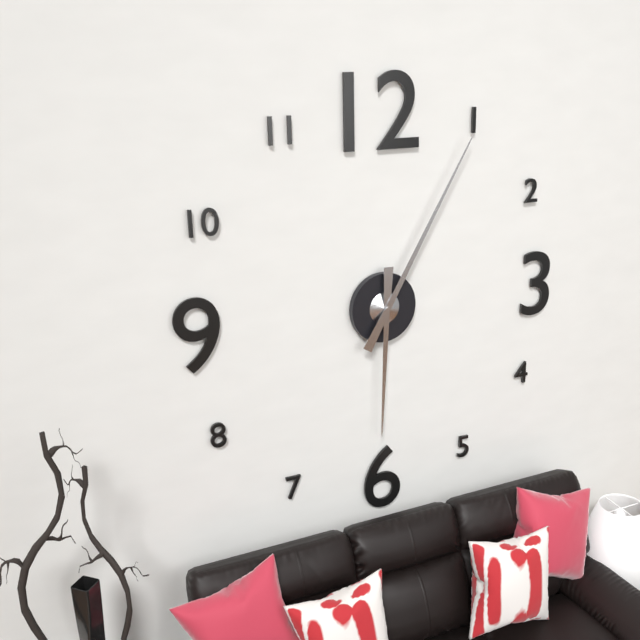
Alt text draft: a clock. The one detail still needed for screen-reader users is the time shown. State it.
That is 6:05
